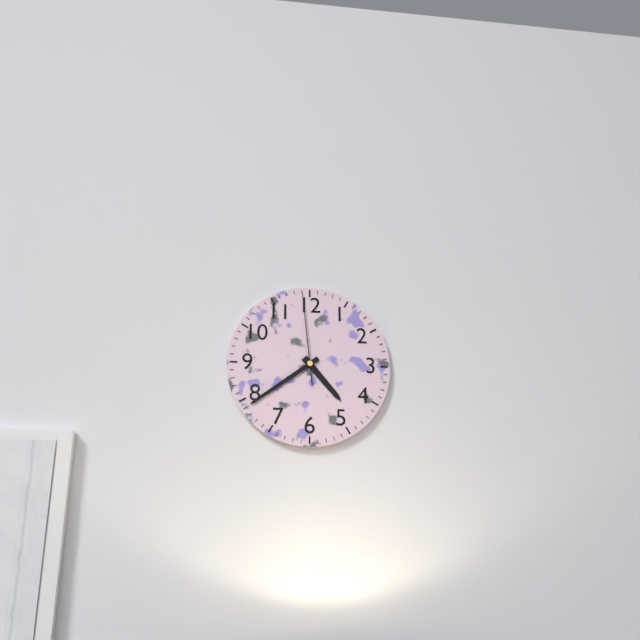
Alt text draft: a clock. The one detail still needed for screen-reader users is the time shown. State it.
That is 4:39:59
